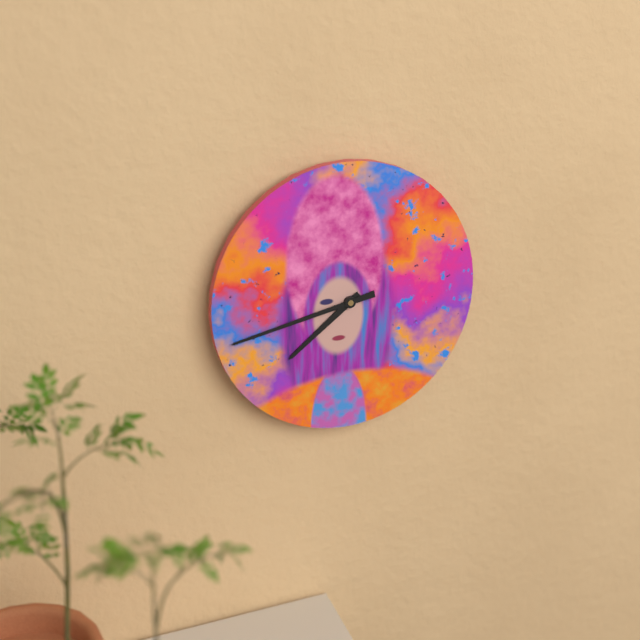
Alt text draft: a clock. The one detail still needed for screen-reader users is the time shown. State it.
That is 7:43
